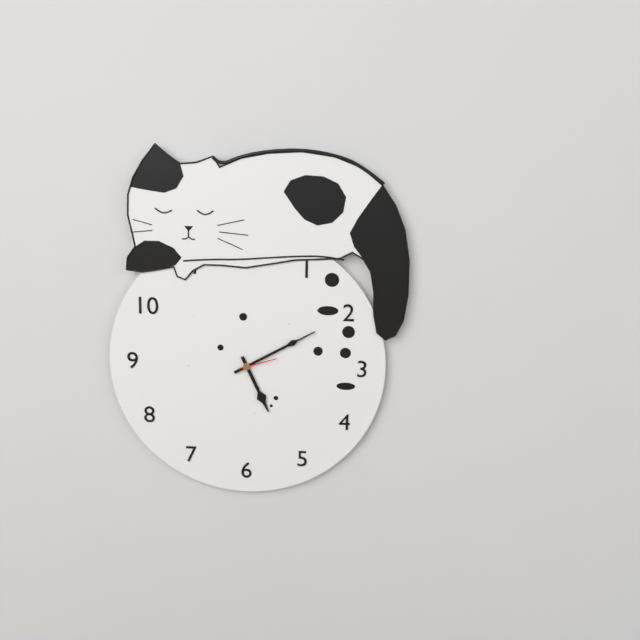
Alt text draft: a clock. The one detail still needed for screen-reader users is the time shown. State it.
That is 5:10
